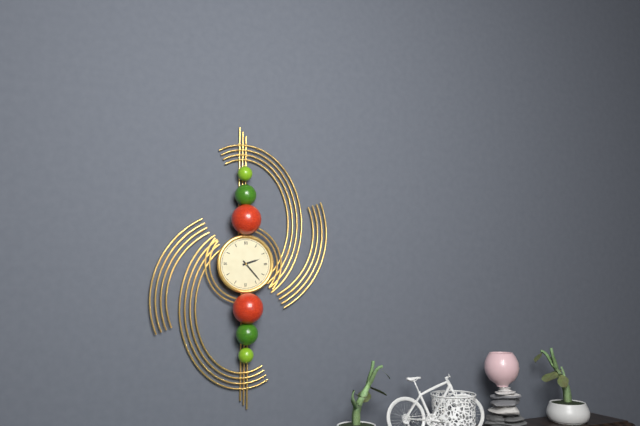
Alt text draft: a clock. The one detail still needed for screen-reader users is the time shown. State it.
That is 2:23
